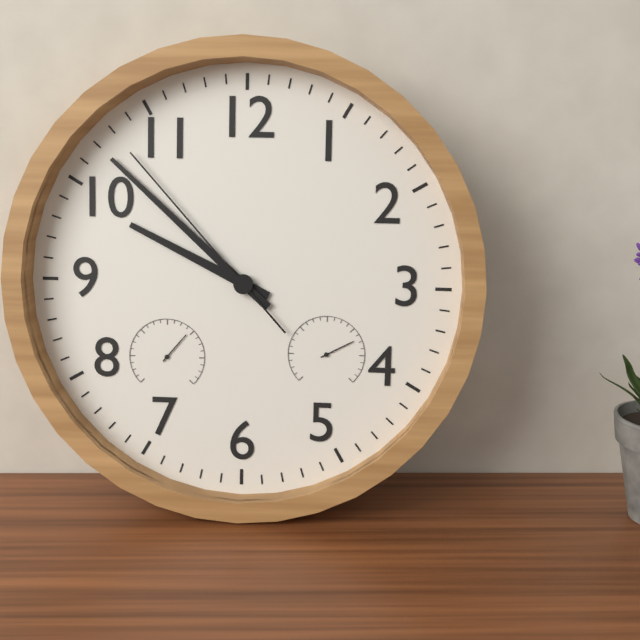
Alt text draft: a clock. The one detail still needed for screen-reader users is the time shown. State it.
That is 9:52:53
